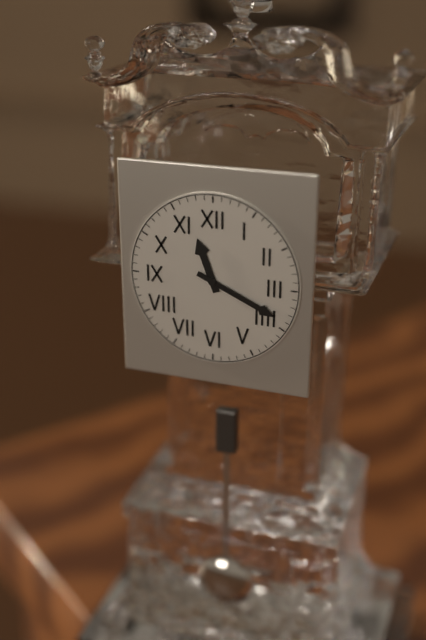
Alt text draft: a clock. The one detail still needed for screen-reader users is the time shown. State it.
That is 11:19
